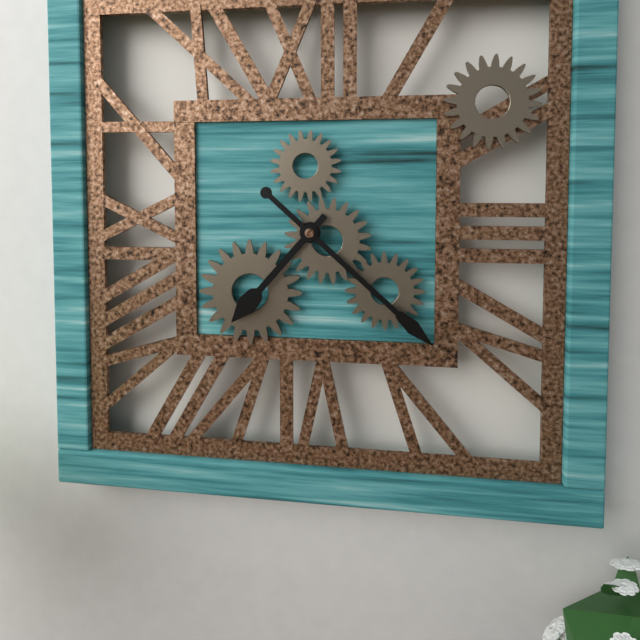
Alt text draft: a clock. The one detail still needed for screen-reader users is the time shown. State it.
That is 7:22
